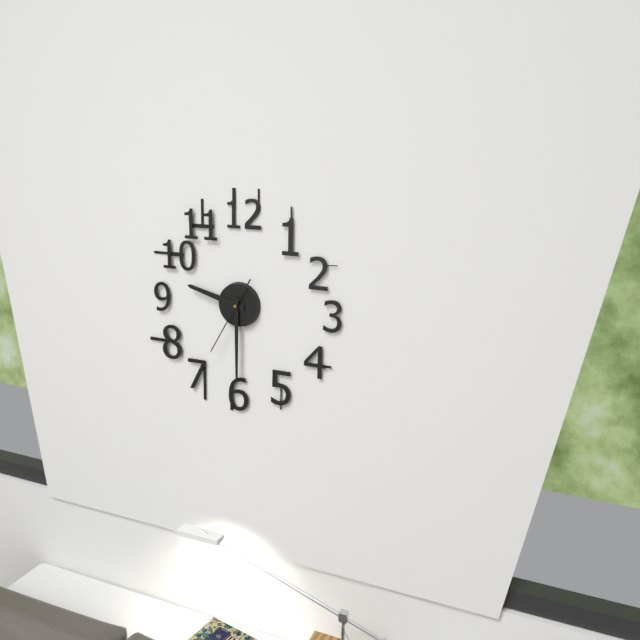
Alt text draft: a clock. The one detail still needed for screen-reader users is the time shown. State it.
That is 9:30:35
